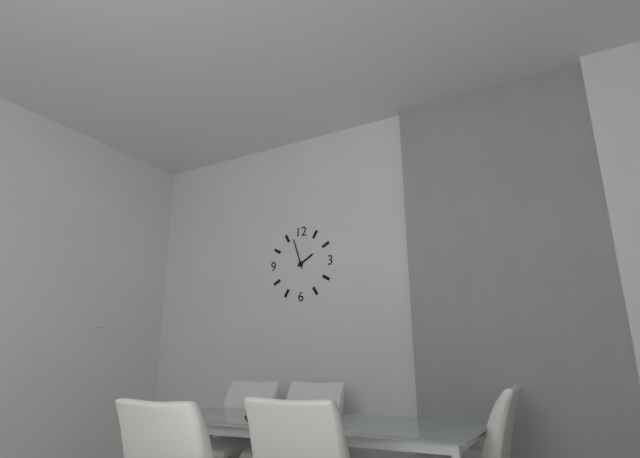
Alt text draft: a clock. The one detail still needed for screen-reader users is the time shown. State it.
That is 1:57
